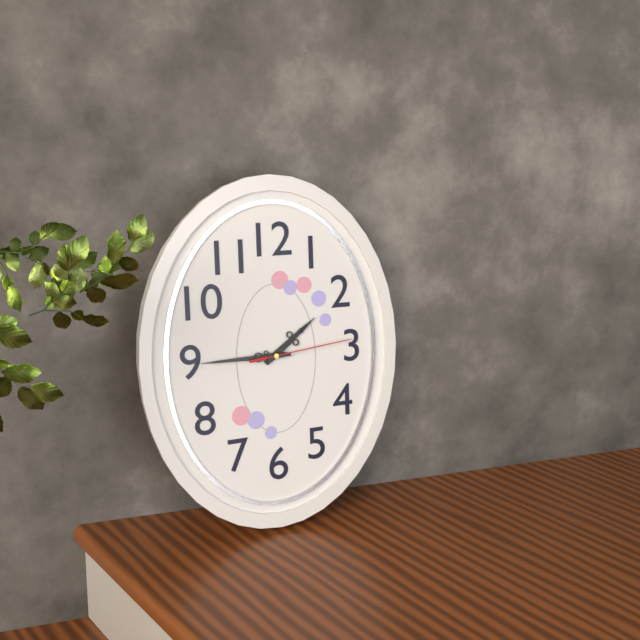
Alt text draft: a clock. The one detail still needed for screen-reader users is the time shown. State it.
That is 1:45:14
